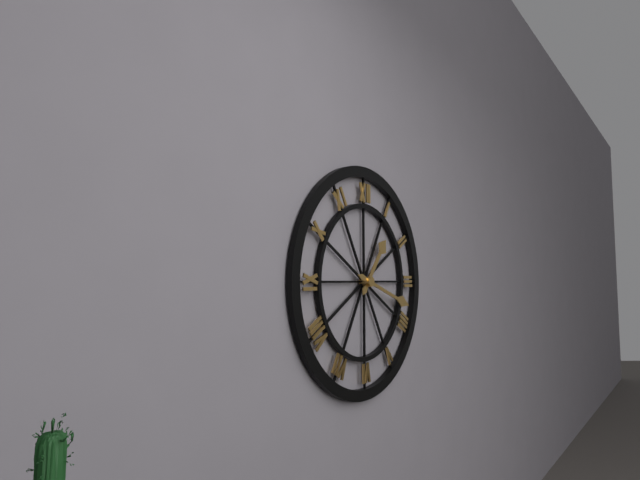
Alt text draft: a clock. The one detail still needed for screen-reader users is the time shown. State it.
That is 1:18
